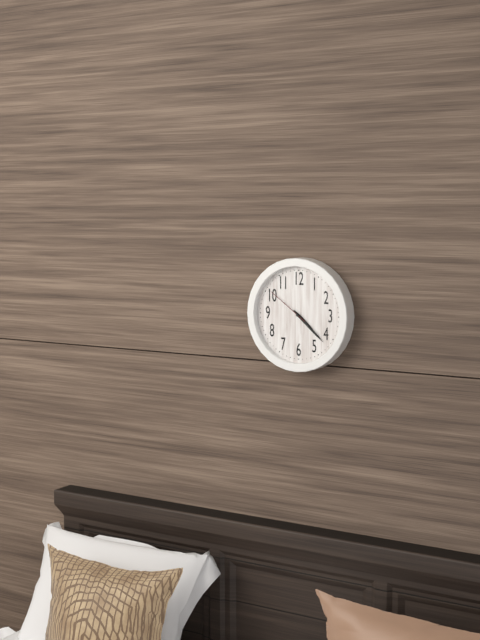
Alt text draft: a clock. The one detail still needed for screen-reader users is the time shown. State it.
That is 4:22
